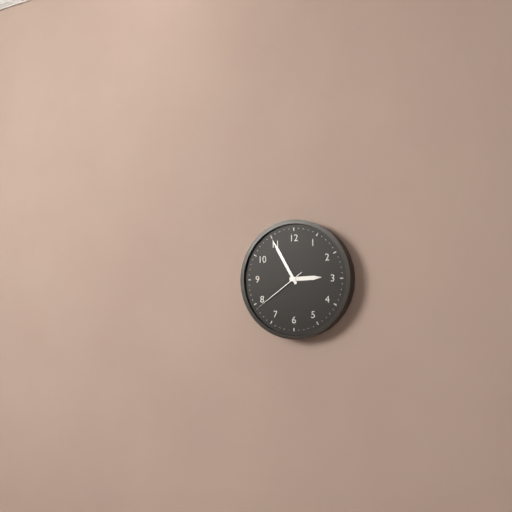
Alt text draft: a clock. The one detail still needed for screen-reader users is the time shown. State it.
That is 2:55:39
